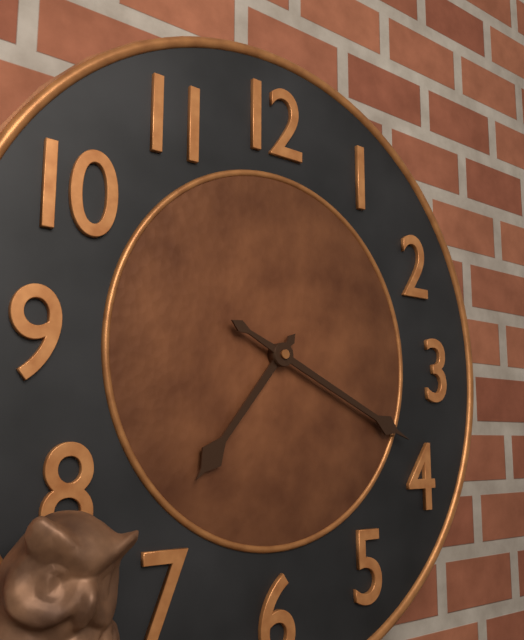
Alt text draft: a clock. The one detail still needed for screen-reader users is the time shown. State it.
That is 7:19
